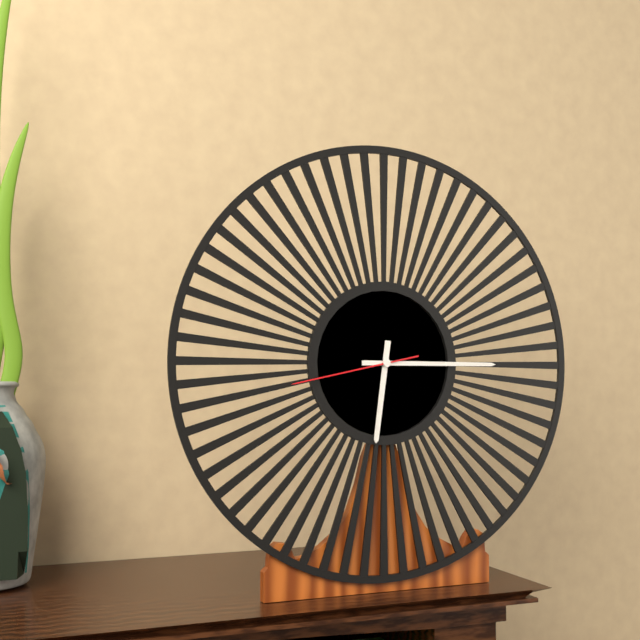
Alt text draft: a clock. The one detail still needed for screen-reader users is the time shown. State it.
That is 6:15:43
